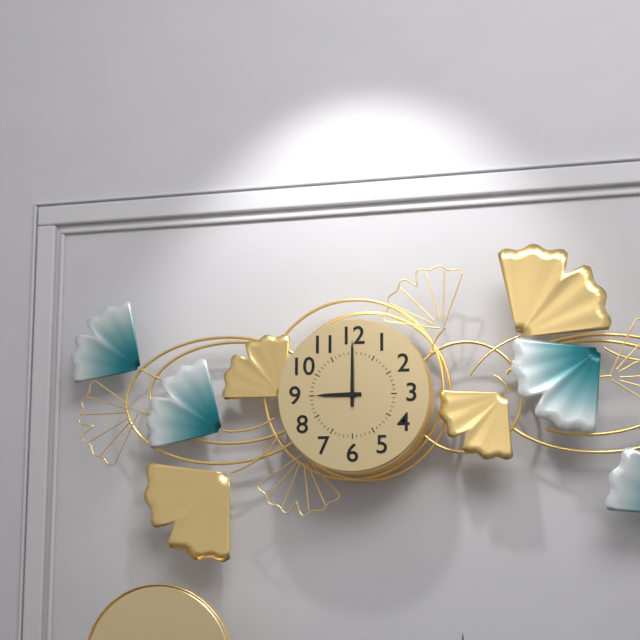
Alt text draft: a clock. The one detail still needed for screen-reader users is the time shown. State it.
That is 9:00
